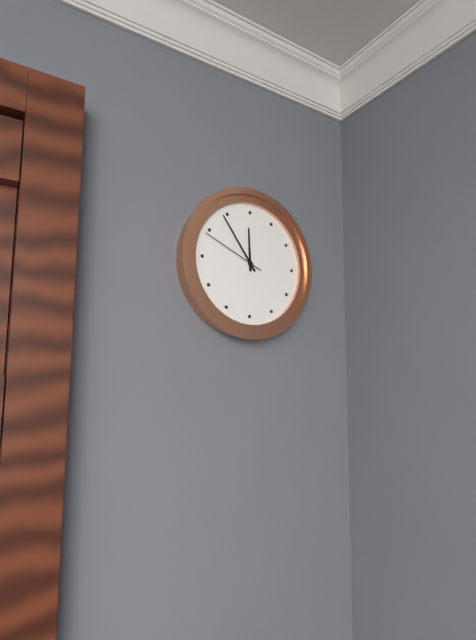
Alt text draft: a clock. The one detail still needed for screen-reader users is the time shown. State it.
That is 11:54:49
